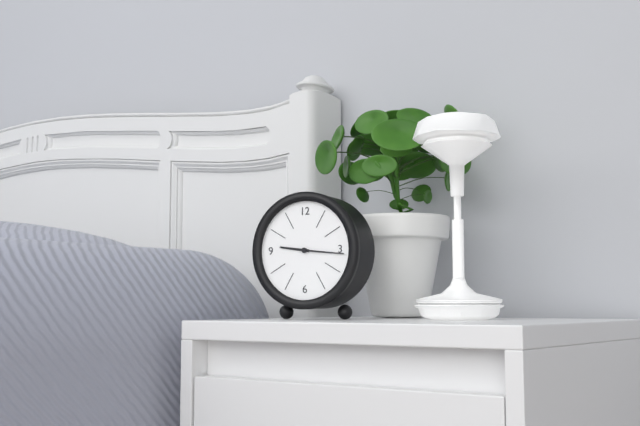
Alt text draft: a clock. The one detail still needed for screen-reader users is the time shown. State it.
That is 9:16
